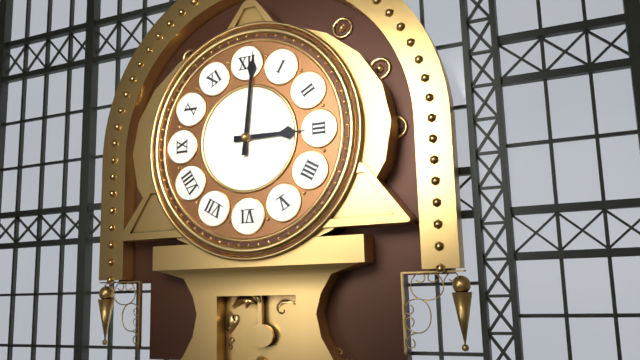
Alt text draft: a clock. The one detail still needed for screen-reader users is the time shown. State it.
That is 3:01
